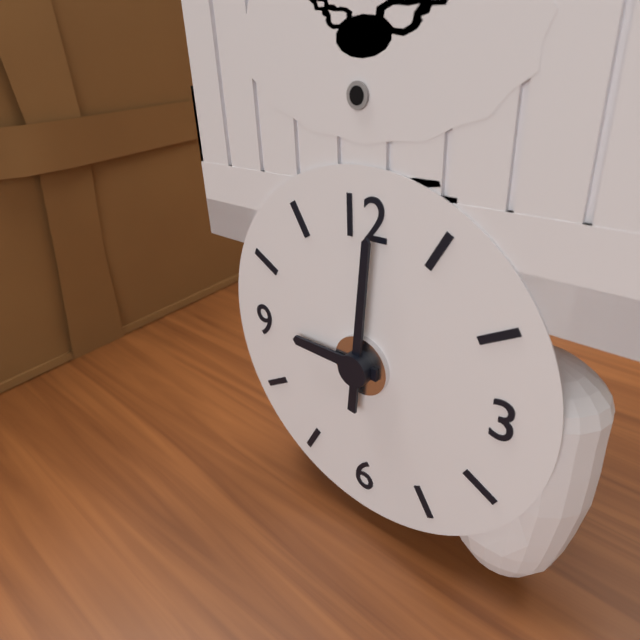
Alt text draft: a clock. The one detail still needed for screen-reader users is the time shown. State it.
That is 9:01
